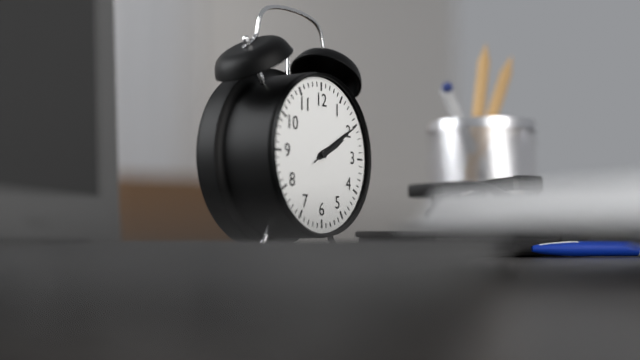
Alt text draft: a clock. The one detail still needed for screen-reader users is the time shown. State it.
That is 2:10:10
